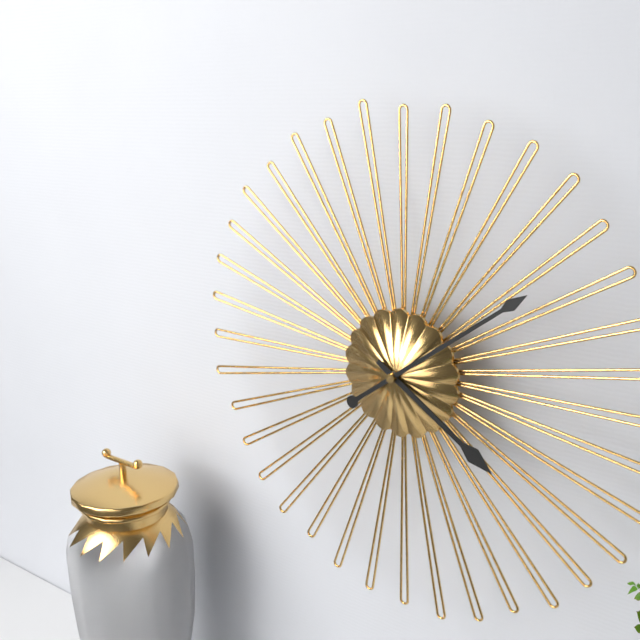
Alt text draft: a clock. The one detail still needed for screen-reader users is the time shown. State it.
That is 4:09
